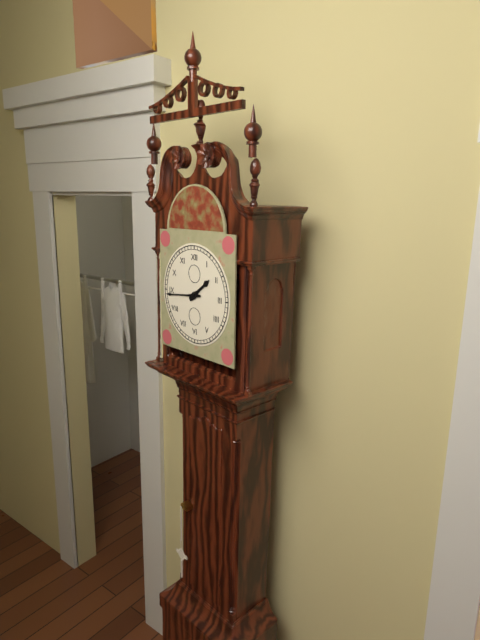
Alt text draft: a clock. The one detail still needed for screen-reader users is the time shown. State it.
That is 1:44
